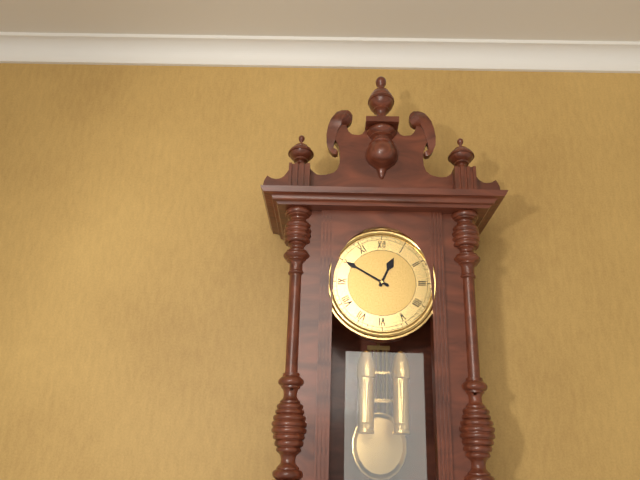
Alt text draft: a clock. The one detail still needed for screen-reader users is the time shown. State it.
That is 12:50
